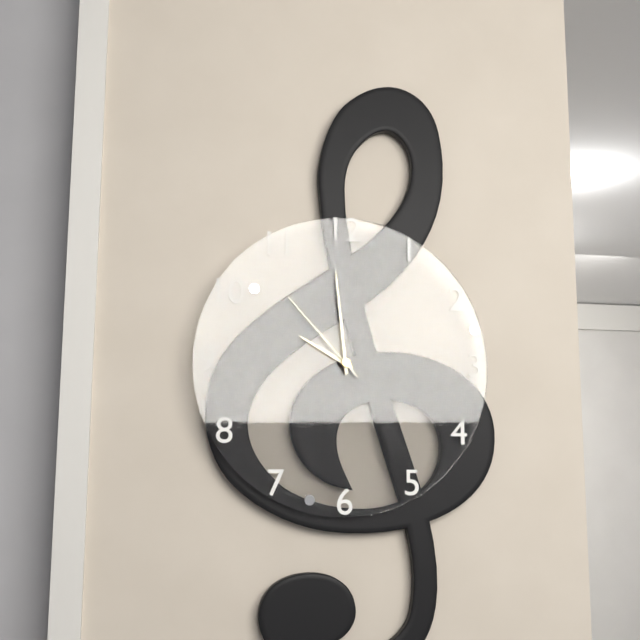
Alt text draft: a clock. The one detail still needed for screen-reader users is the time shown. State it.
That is 9:59:53
